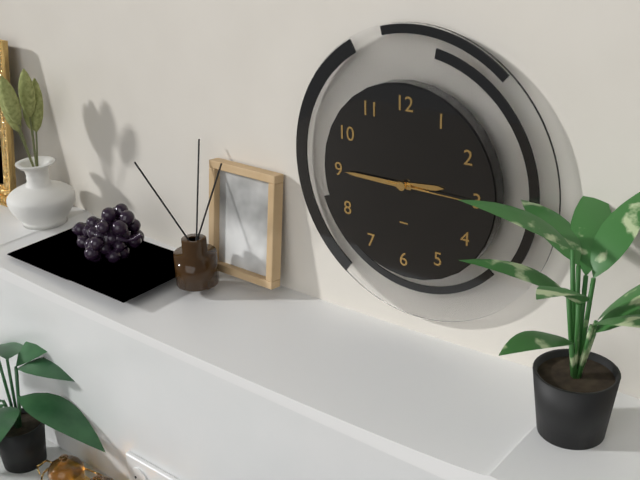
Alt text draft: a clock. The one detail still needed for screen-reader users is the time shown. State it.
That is 2:45:15
